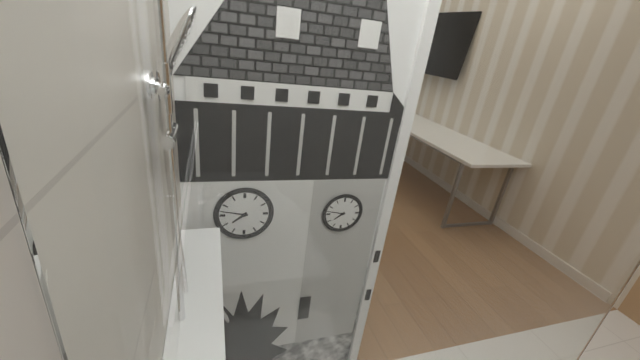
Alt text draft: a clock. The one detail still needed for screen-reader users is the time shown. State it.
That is 7:47
